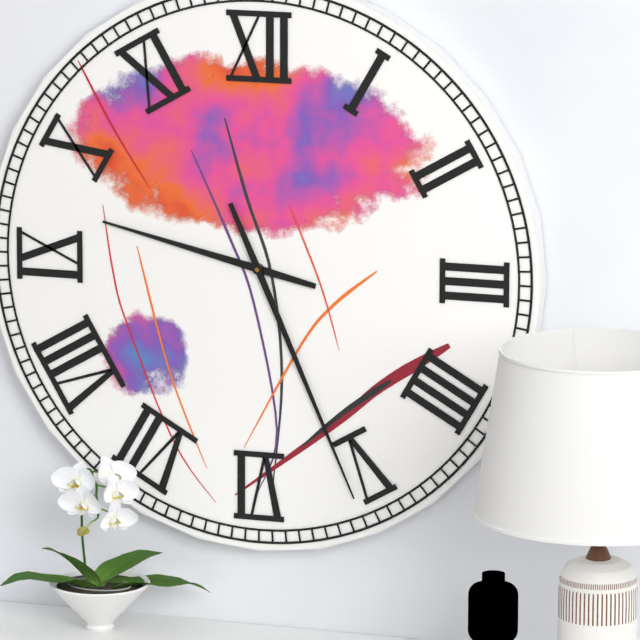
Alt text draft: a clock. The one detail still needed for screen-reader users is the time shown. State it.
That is 9:26
